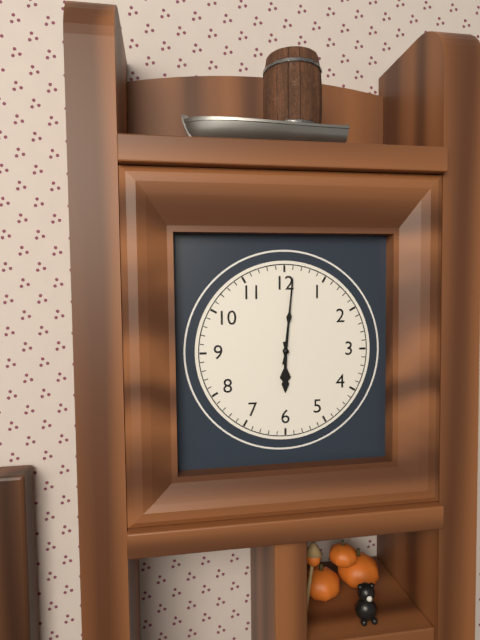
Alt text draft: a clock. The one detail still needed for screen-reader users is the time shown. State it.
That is 6:01
